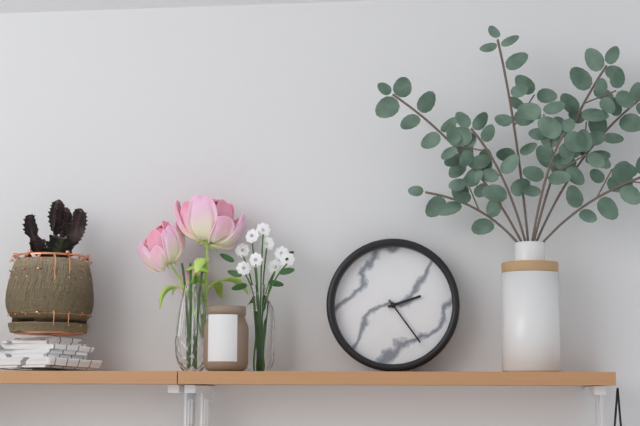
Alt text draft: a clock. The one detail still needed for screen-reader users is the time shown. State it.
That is 2:24
